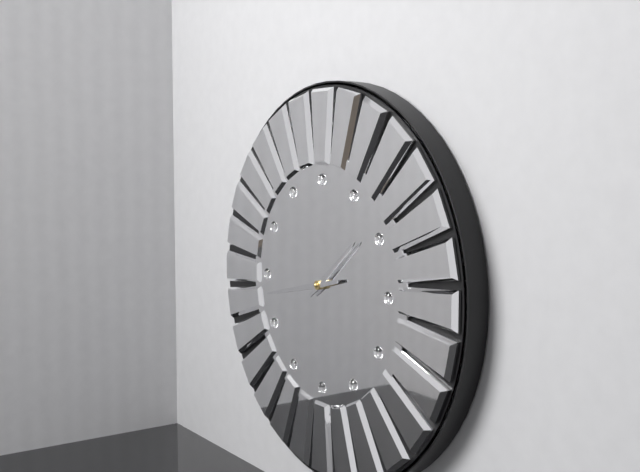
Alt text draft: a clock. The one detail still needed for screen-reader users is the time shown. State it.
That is 1:43
